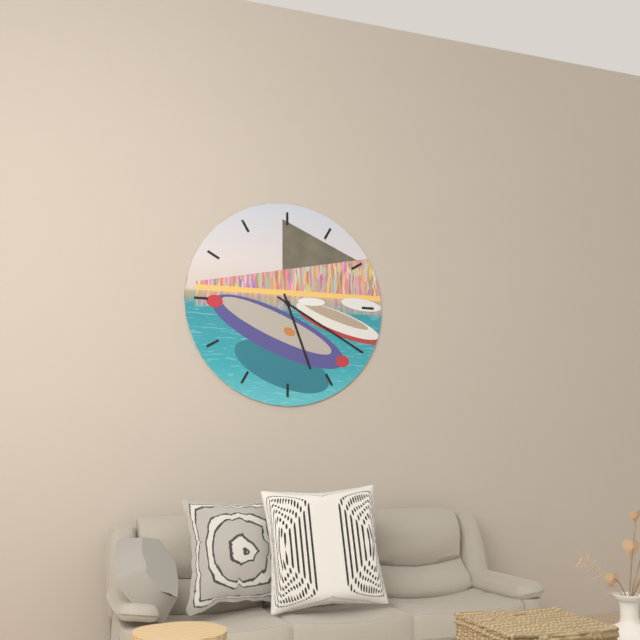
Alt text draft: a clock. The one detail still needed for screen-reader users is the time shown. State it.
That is 5:20
